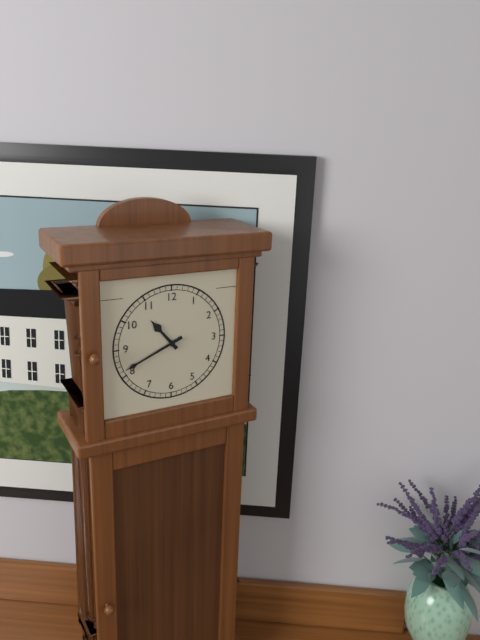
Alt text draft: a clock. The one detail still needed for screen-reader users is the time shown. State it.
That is 10:41
